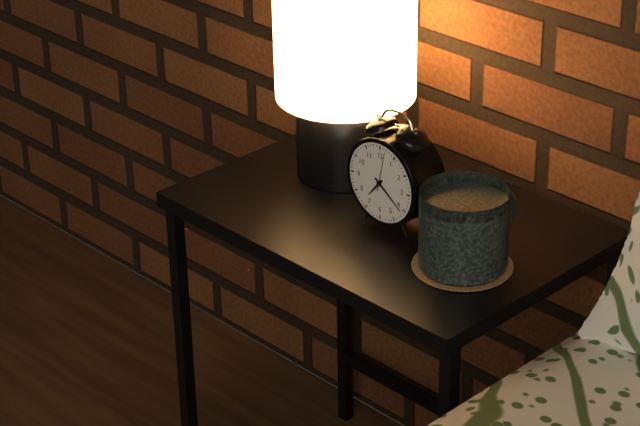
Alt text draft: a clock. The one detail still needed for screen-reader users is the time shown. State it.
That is 7:21
